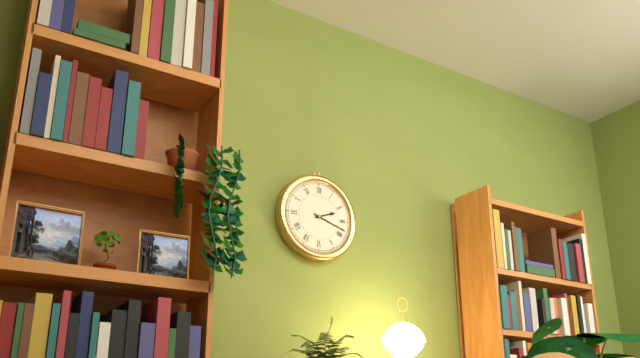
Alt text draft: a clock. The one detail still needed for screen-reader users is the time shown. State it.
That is 2:18
